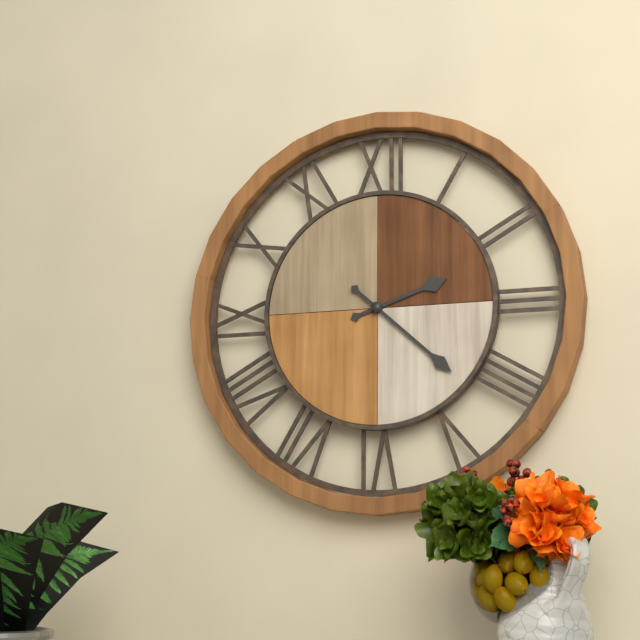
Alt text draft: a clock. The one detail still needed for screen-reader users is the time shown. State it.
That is 2:22
